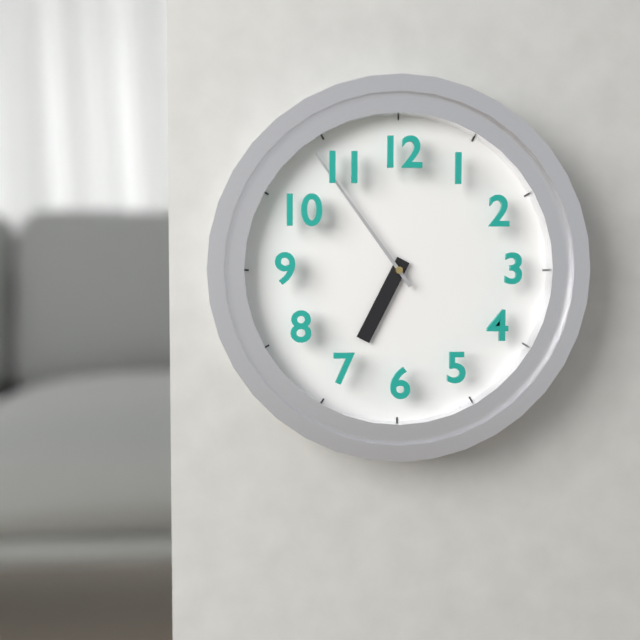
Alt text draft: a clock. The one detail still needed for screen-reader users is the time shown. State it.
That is 6:54
